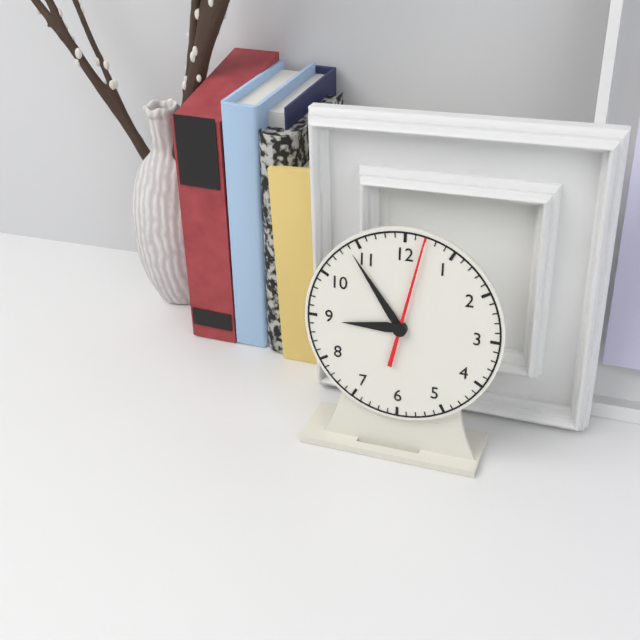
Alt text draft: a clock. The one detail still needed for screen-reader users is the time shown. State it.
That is 8:54:02
